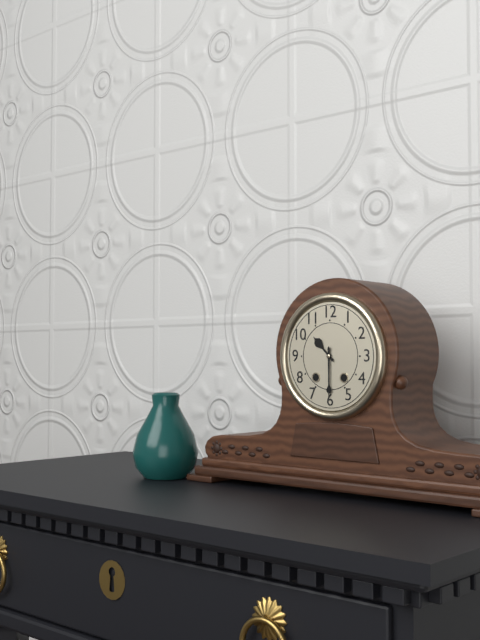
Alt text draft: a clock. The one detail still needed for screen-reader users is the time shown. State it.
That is 10:30
